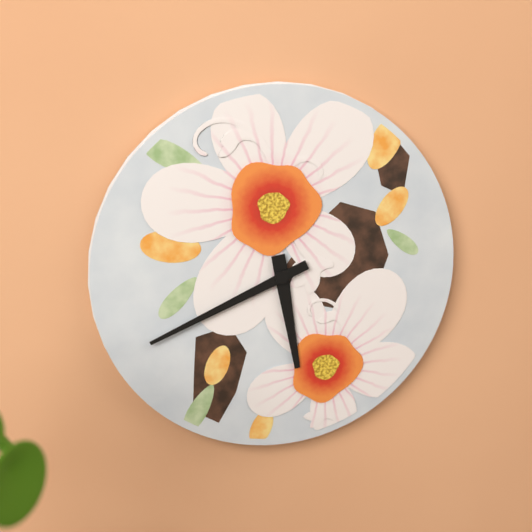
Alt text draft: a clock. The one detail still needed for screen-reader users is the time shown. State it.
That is 5:41
